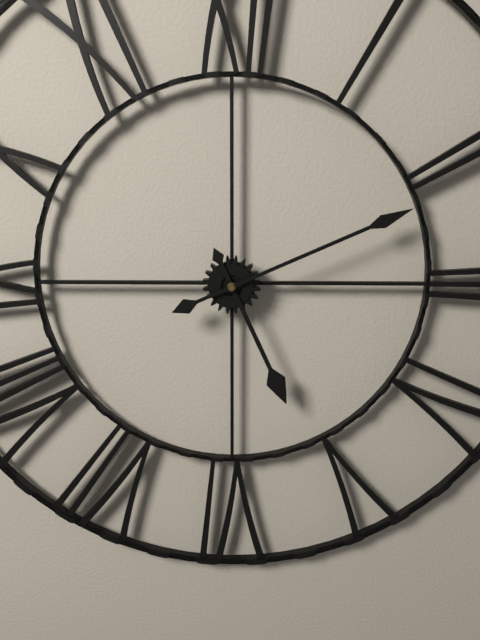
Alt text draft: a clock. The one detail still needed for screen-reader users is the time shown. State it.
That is 5:11
